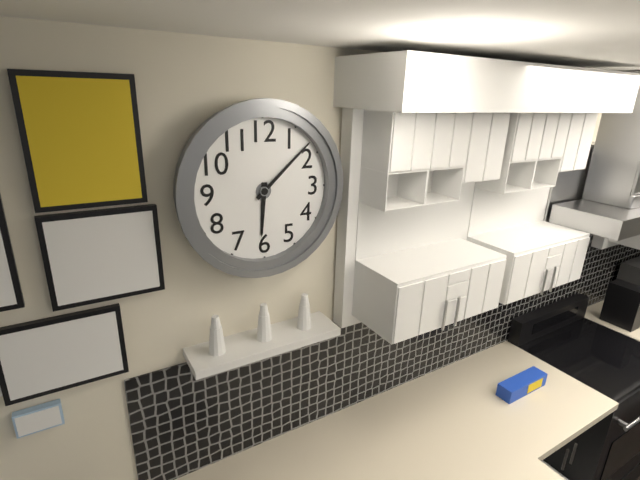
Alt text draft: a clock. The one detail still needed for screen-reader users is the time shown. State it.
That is 6:08
